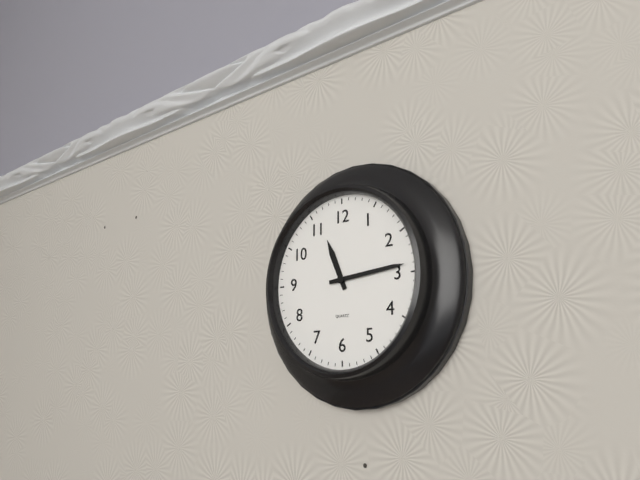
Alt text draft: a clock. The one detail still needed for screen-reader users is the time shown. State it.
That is 11:14
